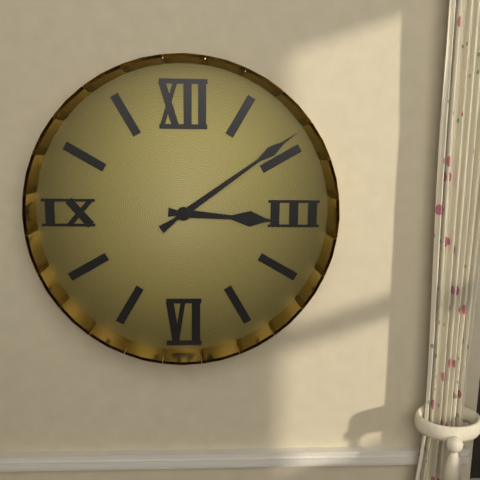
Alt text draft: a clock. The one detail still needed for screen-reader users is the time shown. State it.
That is 3:09
